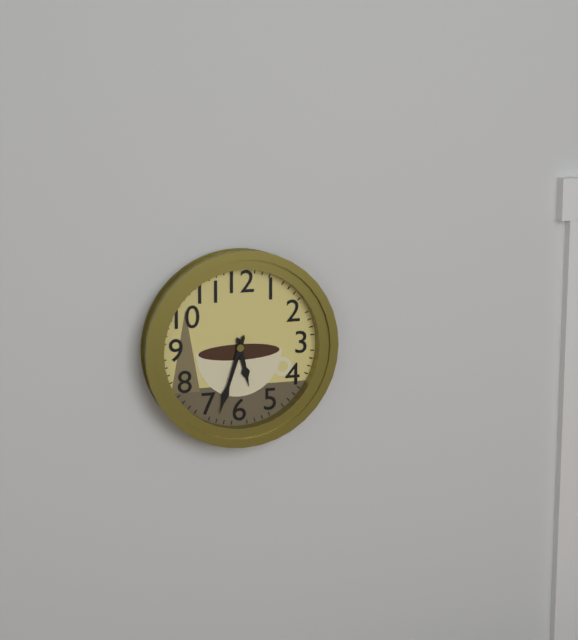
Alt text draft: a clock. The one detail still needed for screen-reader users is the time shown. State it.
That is 5:33
